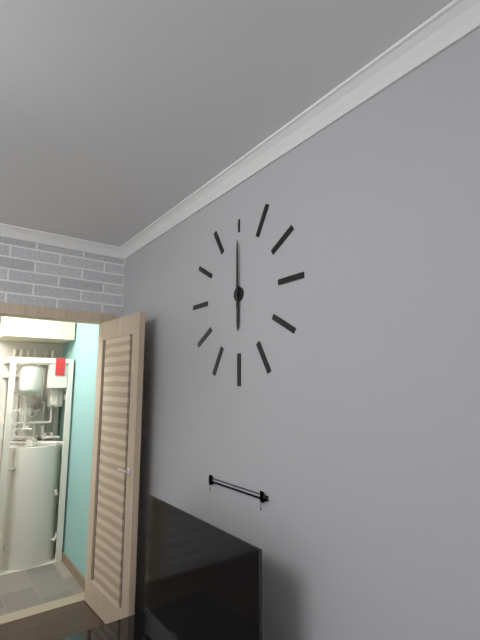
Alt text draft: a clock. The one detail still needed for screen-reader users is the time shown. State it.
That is 6:00
